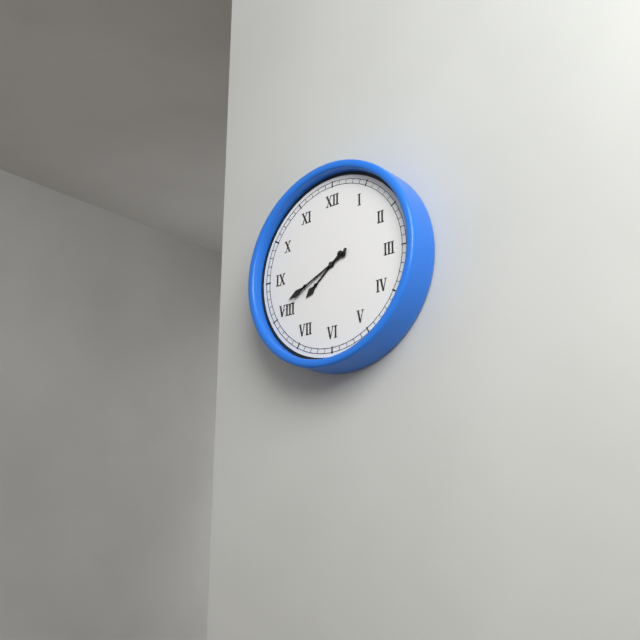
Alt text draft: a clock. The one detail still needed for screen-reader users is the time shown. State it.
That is 7:41:40
